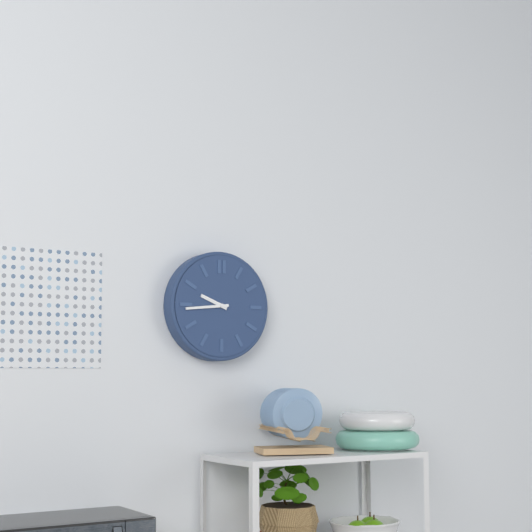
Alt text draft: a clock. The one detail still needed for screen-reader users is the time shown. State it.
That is 9:44
